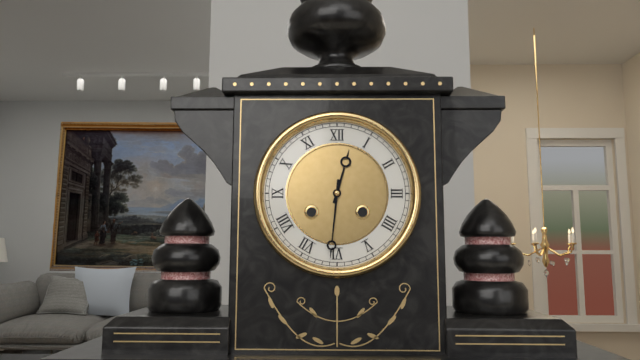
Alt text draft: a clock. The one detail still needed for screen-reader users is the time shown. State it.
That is 12:31
